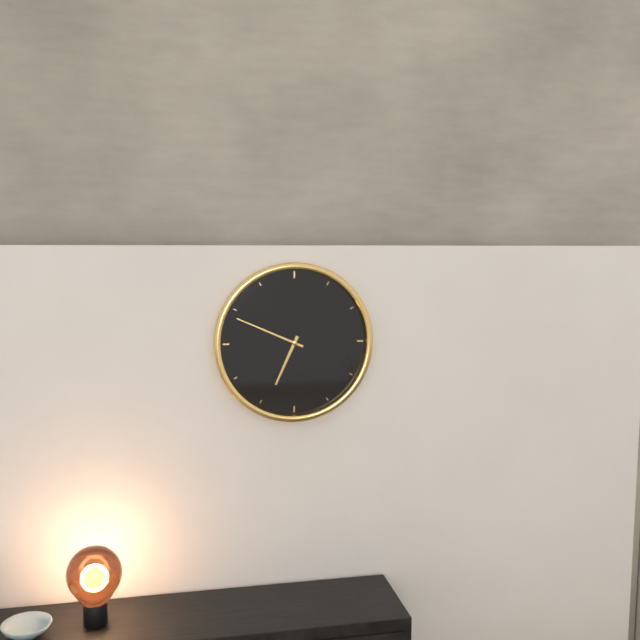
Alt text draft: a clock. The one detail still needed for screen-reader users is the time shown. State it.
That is 6:49
